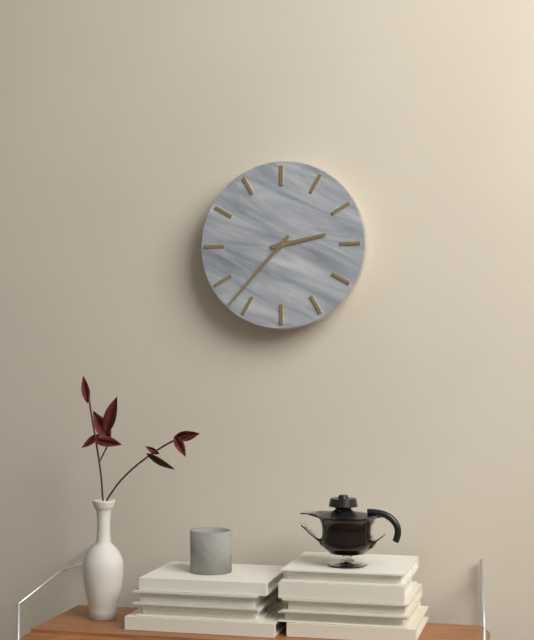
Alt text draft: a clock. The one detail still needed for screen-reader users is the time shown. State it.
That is 2:37
